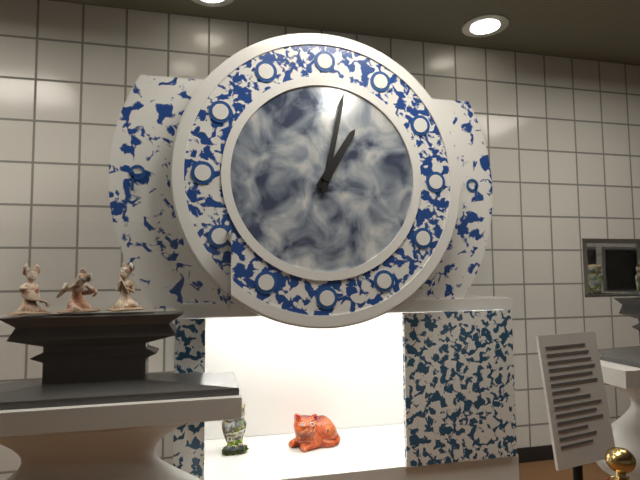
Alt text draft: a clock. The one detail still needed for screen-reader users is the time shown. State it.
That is 1:02
